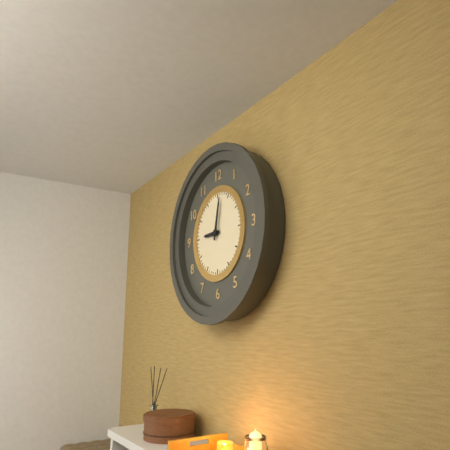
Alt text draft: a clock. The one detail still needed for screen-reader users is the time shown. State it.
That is 9:02
